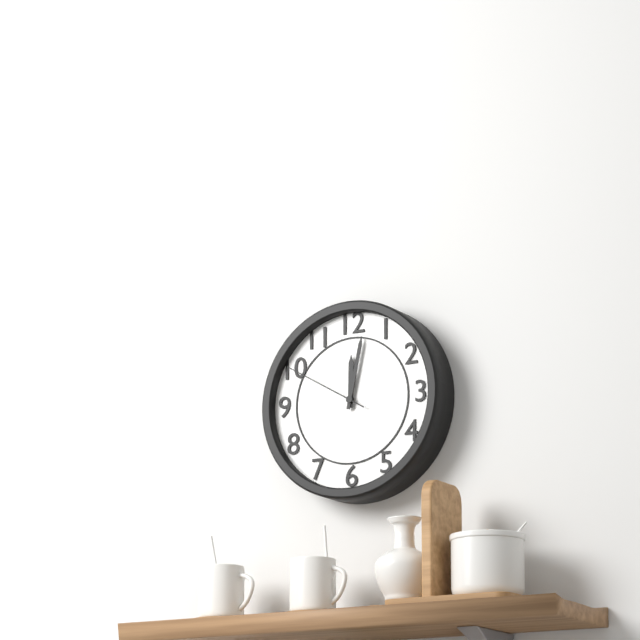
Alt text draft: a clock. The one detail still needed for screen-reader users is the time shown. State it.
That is 12:02:50
